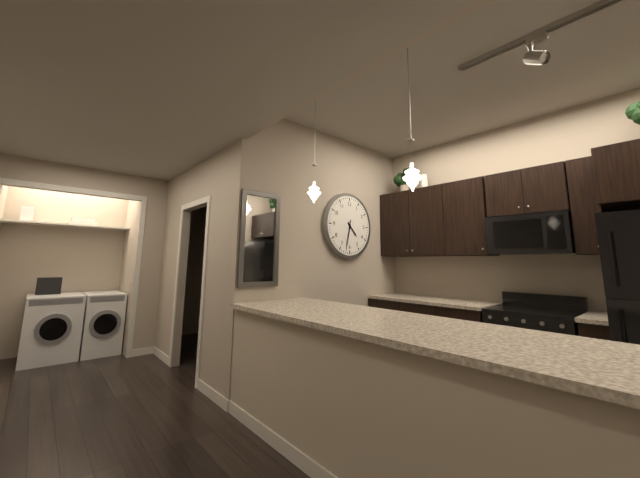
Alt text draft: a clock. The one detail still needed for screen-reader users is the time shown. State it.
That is 4:32
